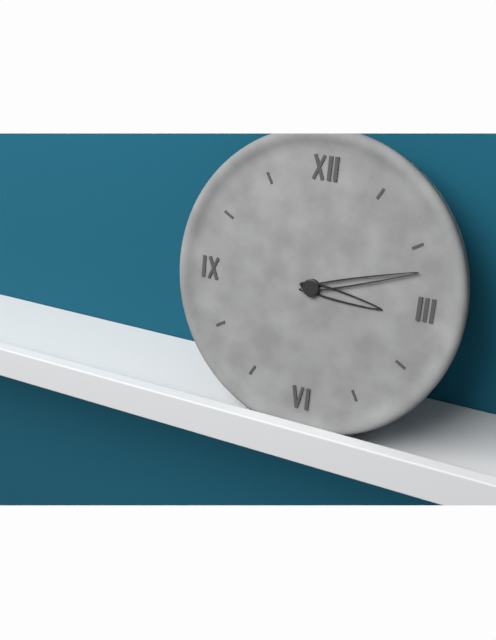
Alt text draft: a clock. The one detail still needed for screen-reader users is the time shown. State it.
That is 3:12
